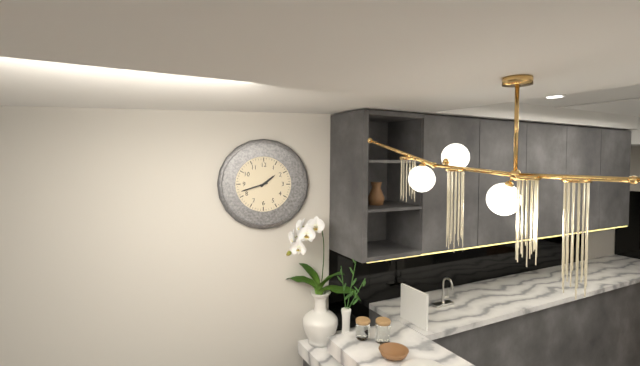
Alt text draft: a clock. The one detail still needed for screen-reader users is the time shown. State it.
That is 1:42
